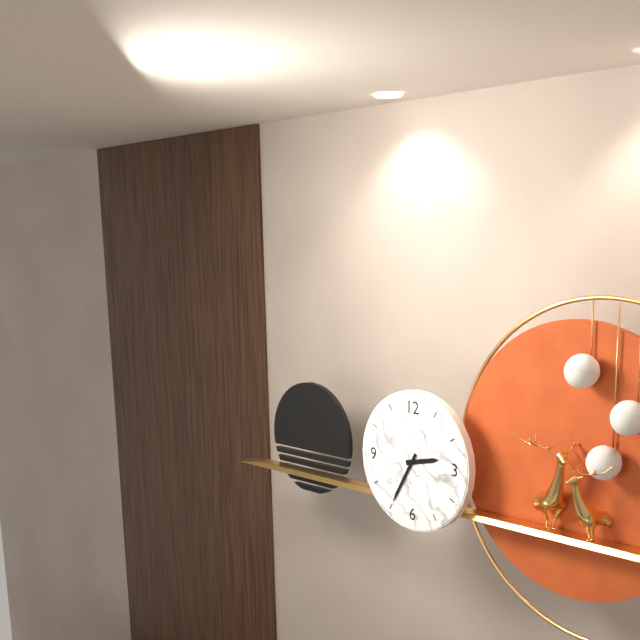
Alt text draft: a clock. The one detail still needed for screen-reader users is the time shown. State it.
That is 2:35
